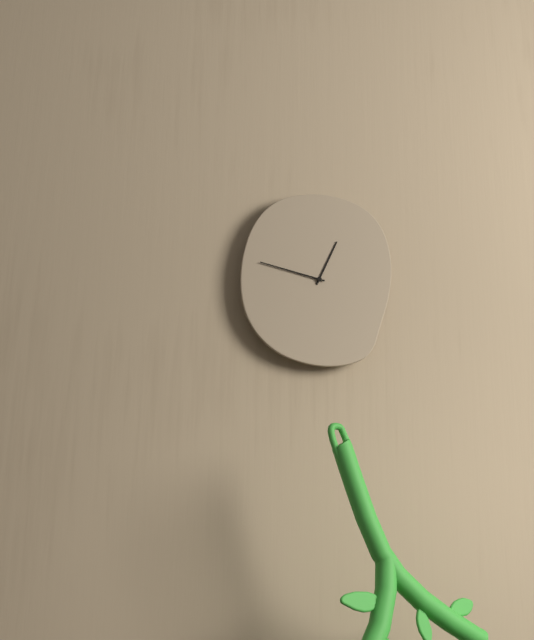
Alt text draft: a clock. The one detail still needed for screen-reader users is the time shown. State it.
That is 12:47
